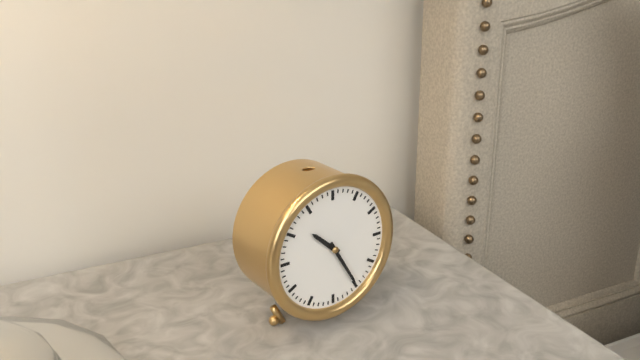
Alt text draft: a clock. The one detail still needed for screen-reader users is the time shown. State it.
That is 10:25
